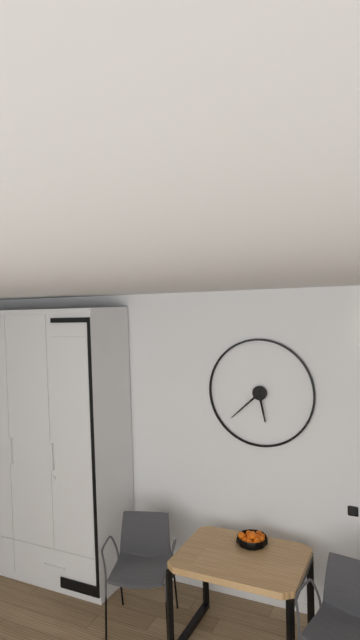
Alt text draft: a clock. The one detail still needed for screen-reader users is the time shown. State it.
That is 5:38
